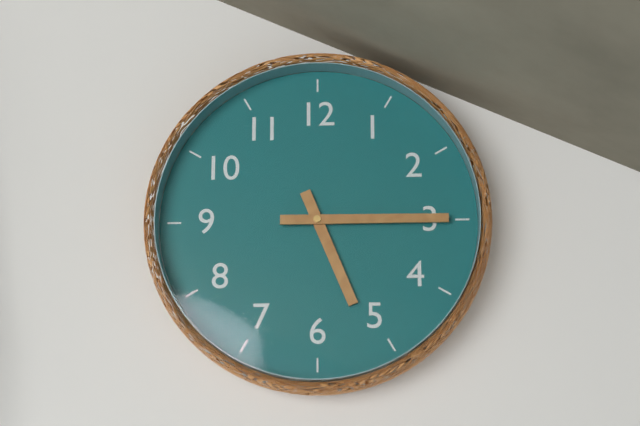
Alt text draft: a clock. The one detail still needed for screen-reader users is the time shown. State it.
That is 5:15
